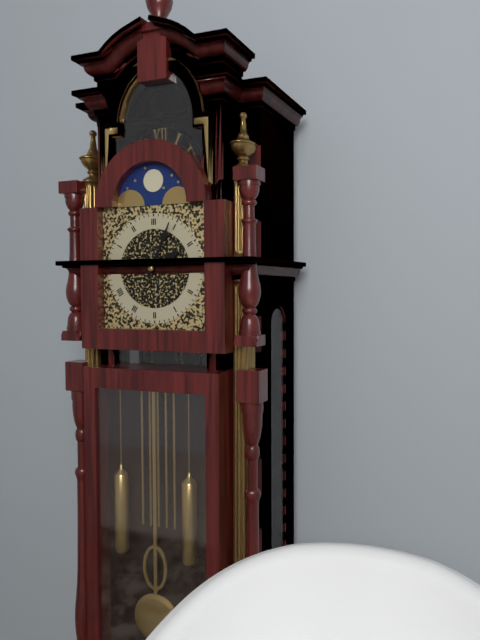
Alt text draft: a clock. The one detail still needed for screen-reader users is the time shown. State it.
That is 2:04
